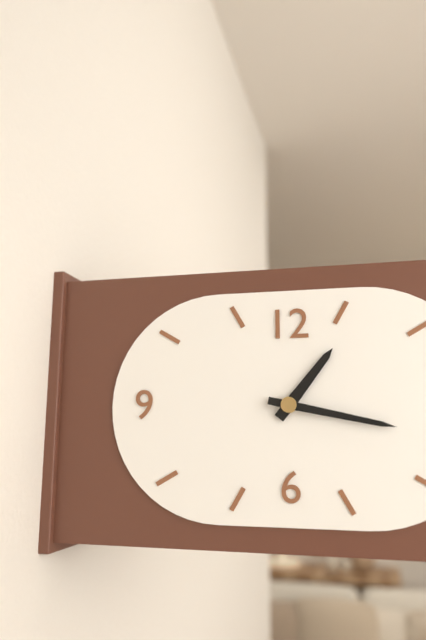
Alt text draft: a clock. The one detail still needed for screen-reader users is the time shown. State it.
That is 1:17
